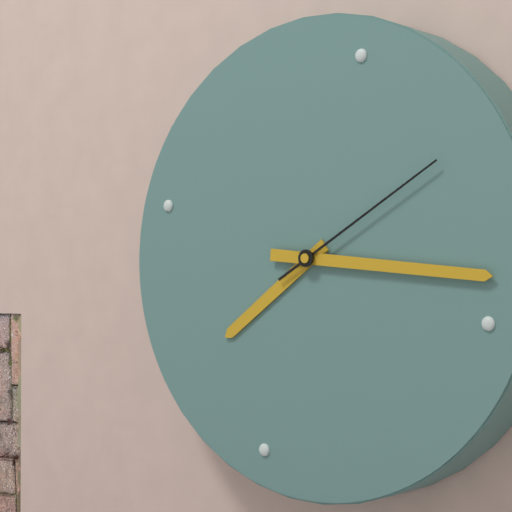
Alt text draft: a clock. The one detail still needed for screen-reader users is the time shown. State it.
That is 7:13:07
